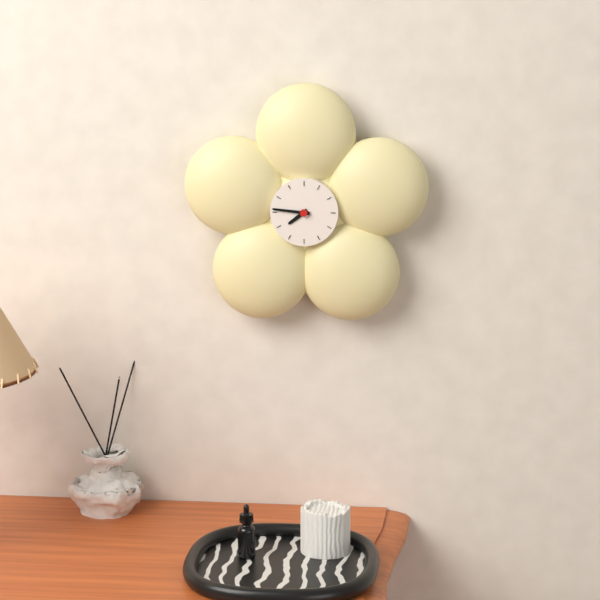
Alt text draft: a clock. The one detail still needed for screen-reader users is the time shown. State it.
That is 7:46
